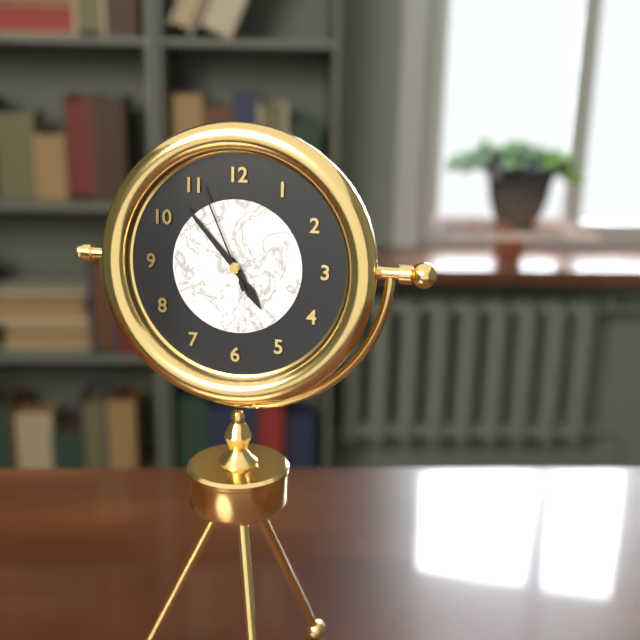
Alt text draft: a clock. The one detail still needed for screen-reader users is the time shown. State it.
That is 4:53:56
